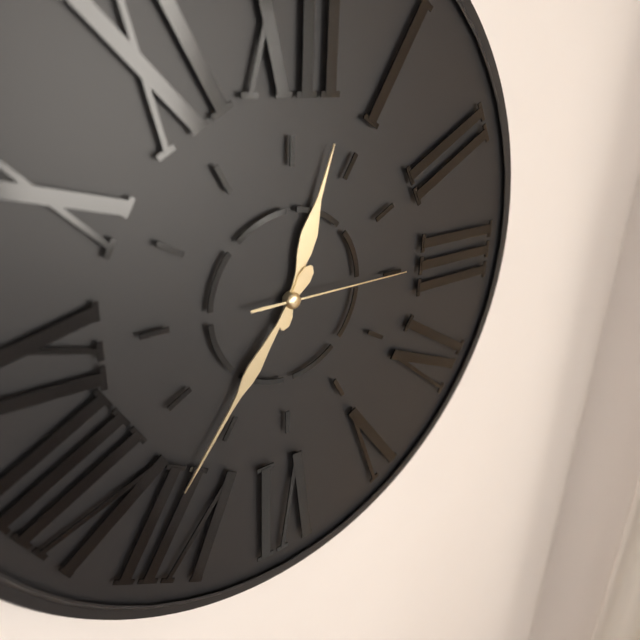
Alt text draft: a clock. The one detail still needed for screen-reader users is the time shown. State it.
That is 12:36:15
